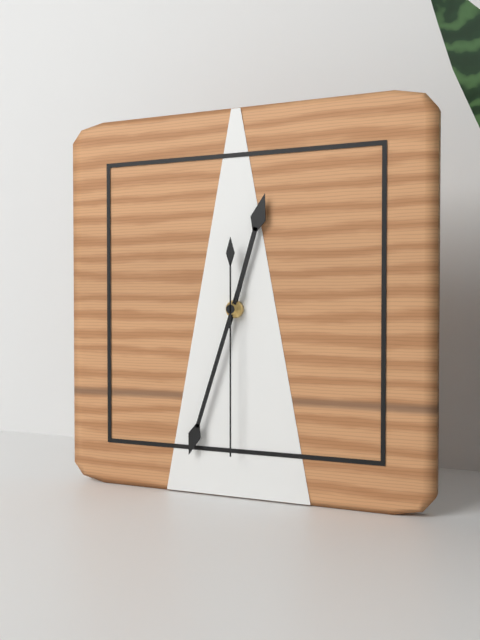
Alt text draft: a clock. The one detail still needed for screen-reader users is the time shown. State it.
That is 12:33:30
